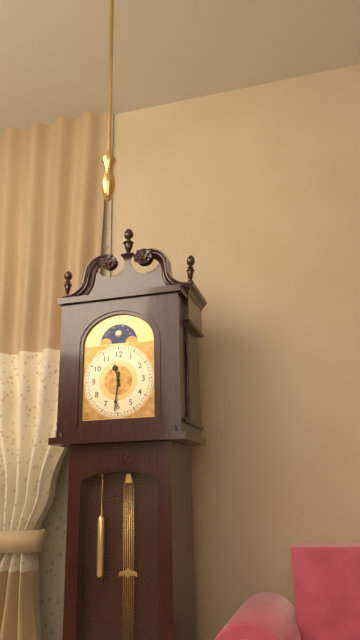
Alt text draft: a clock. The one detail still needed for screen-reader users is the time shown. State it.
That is 11:31
